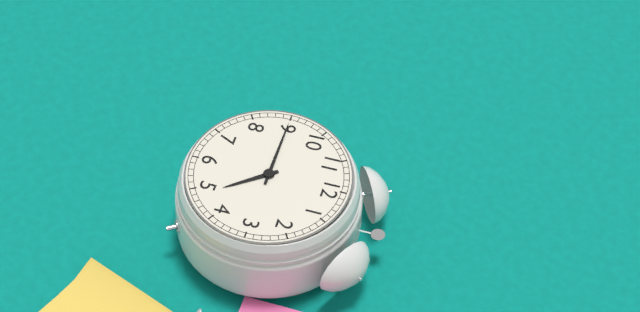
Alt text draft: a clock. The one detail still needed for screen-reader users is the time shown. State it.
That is 4:45
